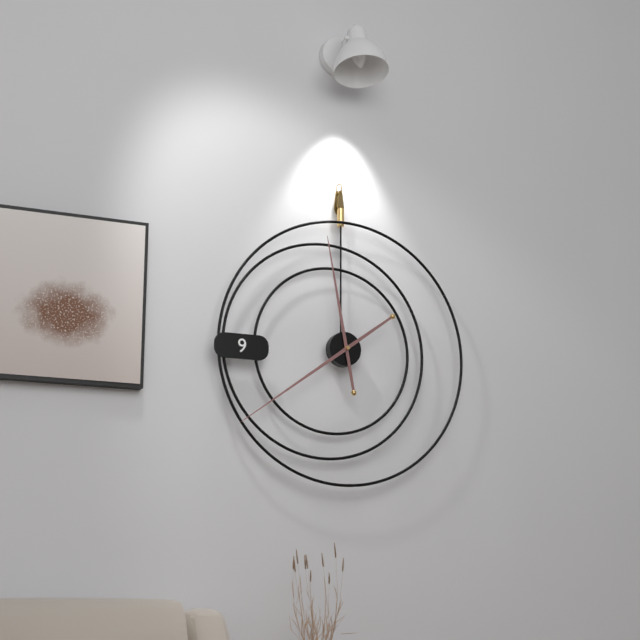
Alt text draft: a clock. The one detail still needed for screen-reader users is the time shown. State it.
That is 11:39
